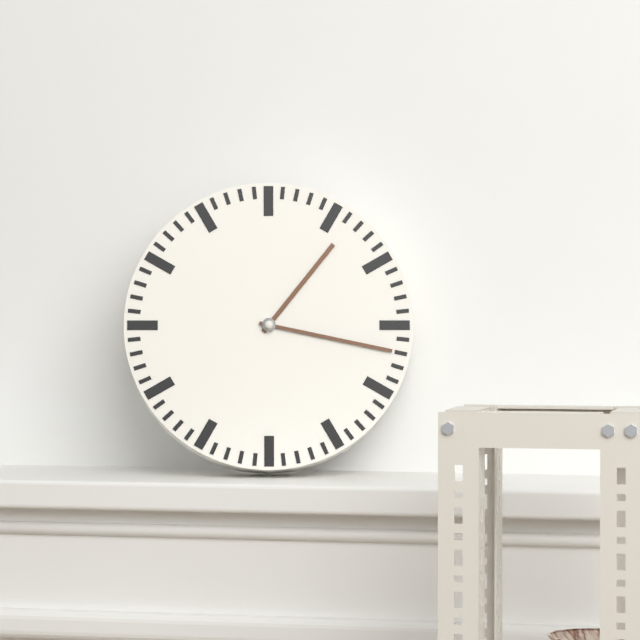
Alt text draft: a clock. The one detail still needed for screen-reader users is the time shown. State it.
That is 1:17
